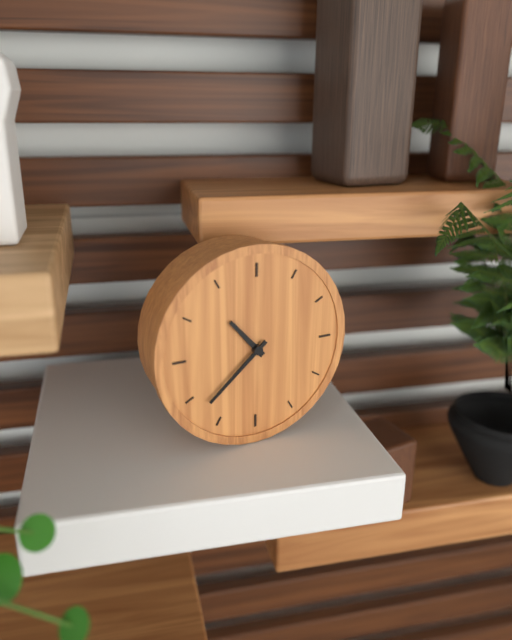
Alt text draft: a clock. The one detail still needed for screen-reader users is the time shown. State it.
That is 10:38
